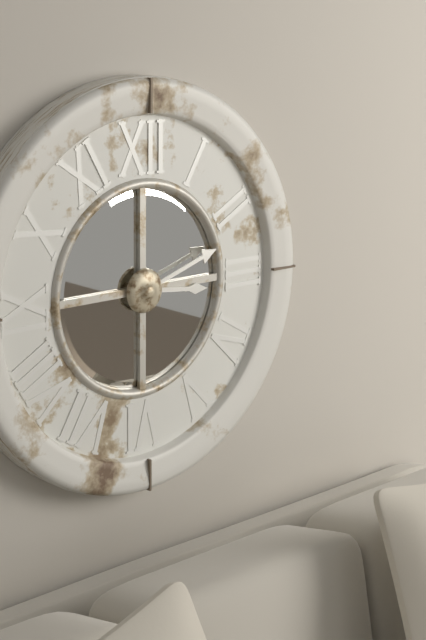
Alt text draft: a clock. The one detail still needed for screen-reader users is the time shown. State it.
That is 3:12
